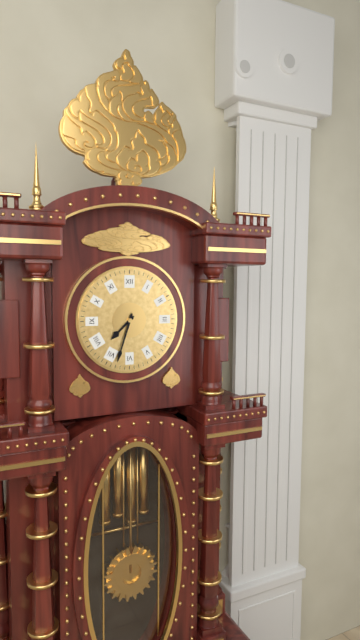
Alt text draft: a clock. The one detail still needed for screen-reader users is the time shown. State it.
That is 7:33
